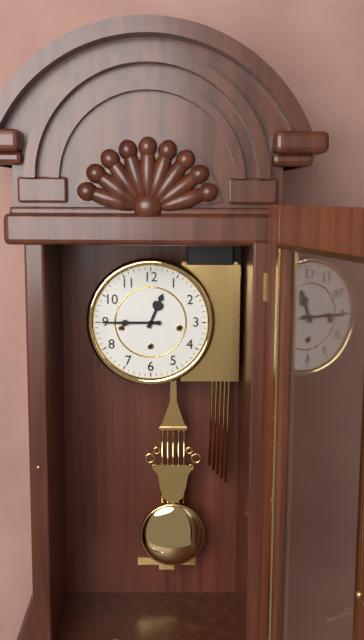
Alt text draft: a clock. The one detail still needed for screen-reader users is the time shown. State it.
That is 12:45
